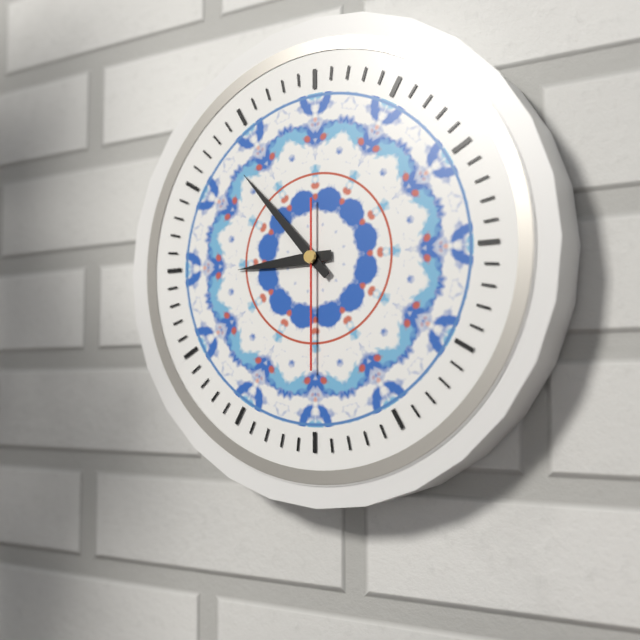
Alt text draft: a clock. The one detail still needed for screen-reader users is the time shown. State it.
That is 8:53:30
